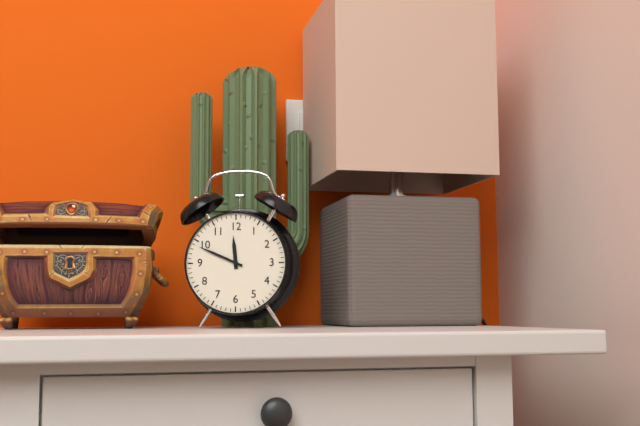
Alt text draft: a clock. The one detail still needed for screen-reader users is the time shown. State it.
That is 11:49
